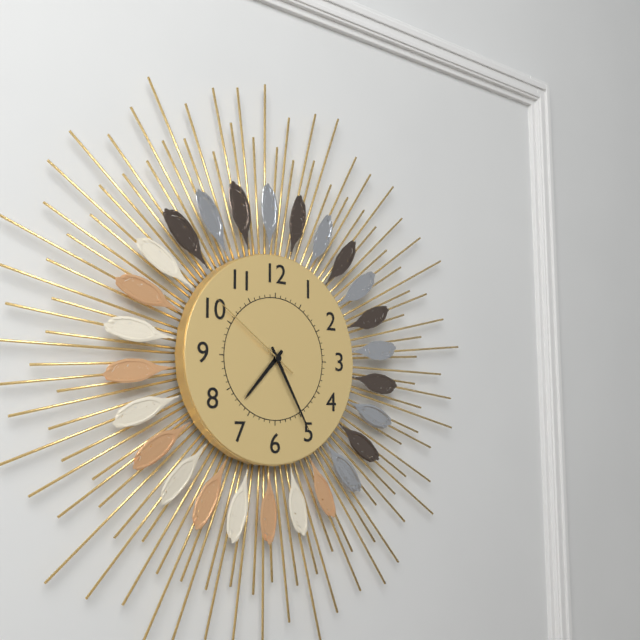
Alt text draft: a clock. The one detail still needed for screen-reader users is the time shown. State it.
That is 7:25:51
